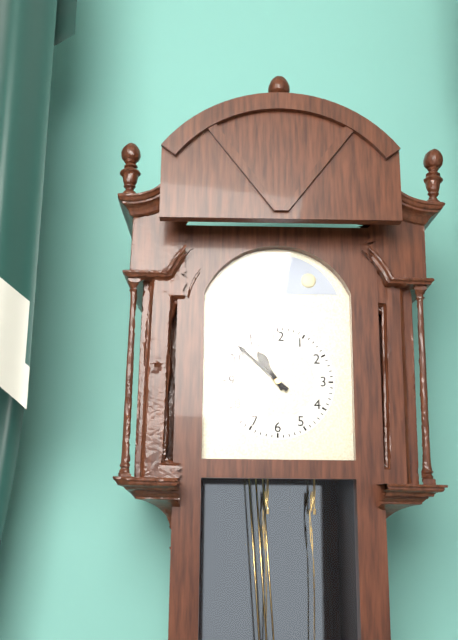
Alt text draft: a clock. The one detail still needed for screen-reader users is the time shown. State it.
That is 10:52
